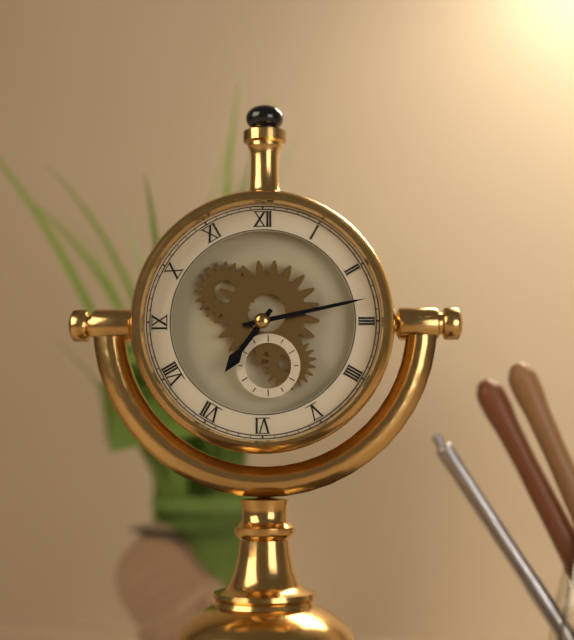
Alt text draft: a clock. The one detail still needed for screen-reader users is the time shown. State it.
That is 7:13
